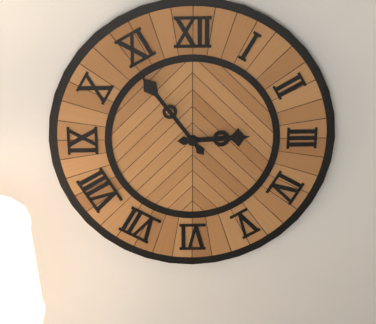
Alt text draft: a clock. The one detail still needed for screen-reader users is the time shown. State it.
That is 2:54
